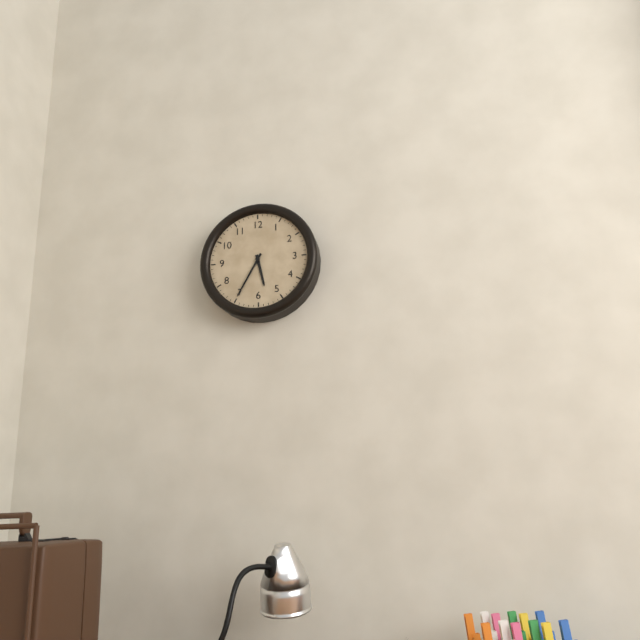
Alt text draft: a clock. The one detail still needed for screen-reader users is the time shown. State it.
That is 5:35
